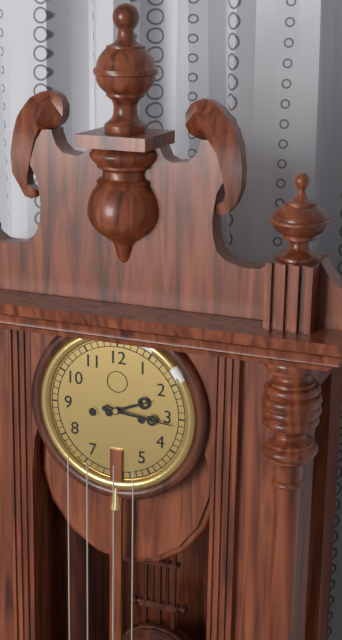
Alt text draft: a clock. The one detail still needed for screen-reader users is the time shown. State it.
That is 2:16
